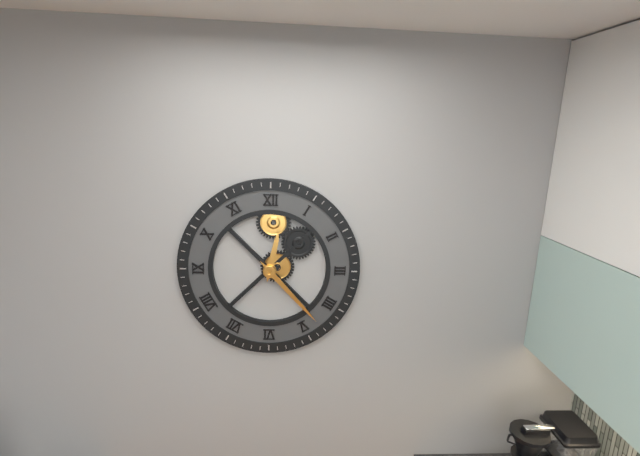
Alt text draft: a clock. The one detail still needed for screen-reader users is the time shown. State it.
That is 12:23
